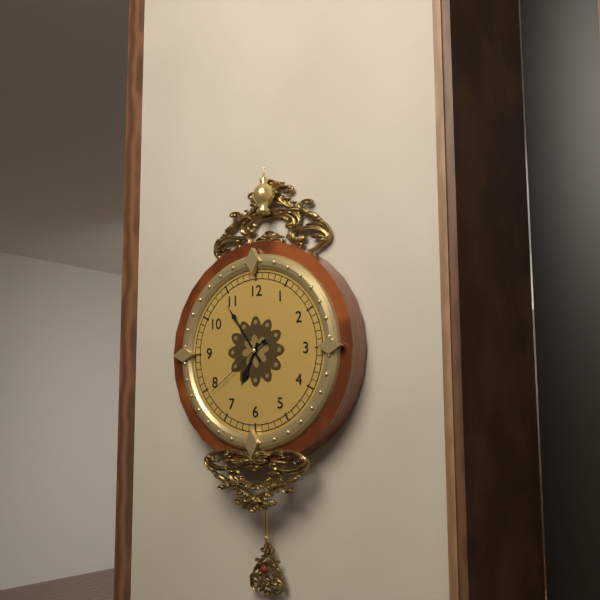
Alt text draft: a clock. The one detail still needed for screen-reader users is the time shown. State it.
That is 6:54:39
